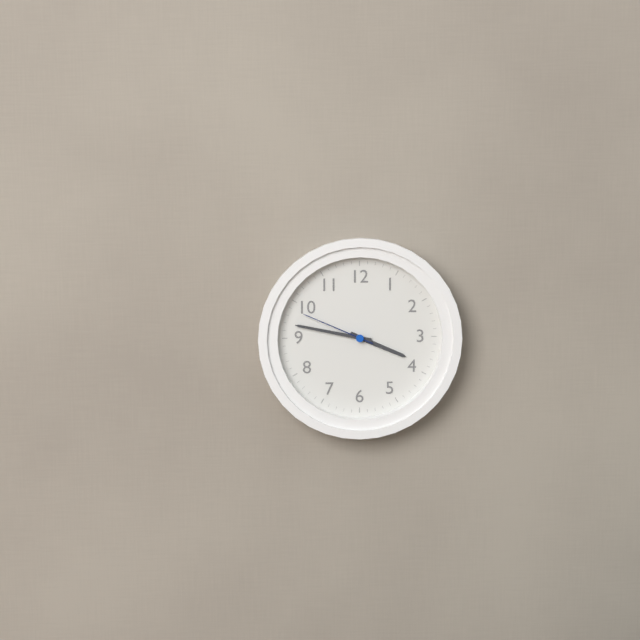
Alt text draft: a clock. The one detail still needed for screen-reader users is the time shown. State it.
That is 3:47:49
